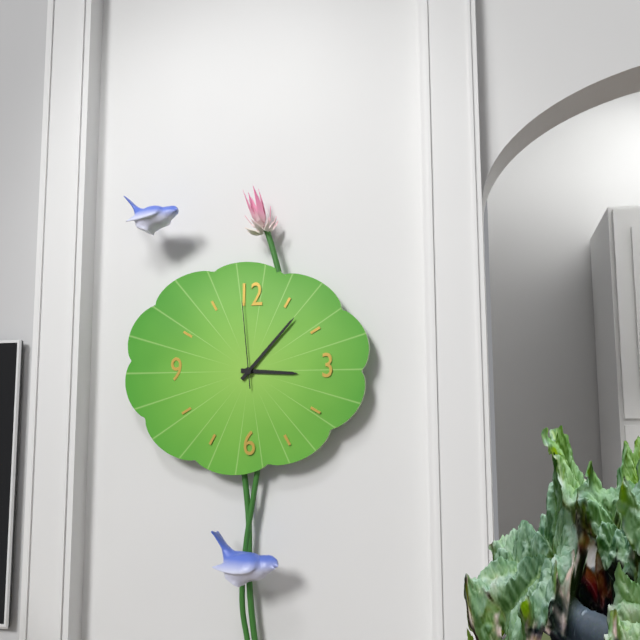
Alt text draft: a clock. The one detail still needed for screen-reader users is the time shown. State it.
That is 3:07:59
